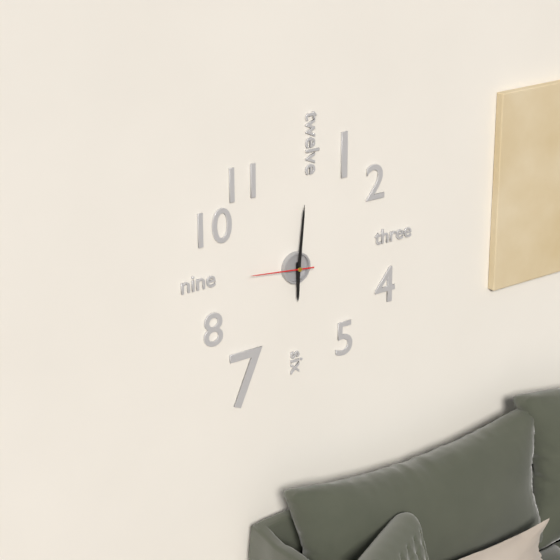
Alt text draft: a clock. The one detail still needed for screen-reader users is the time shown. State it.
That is 6:01:46
